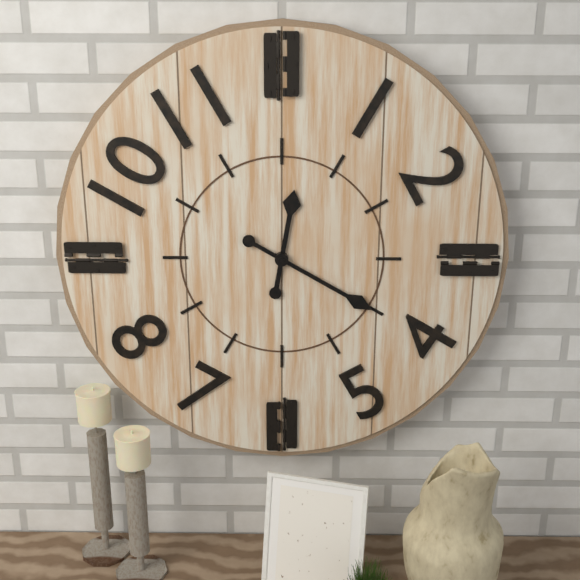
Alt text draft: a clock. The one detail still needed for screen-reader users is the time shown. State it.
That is 12:20
